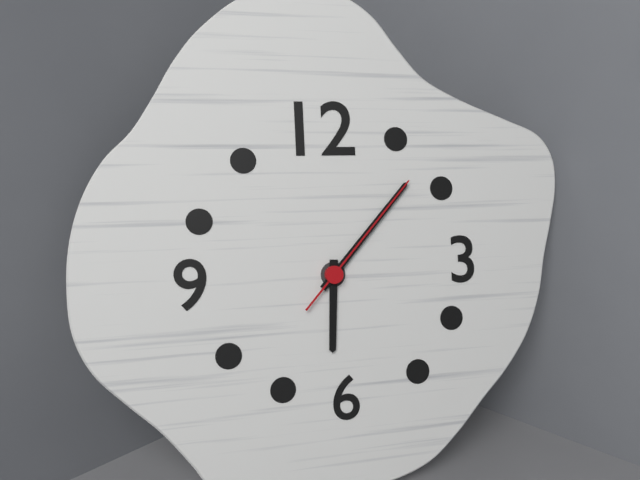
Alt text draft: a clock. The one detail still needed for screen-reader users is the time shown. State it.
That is 6:07:07
